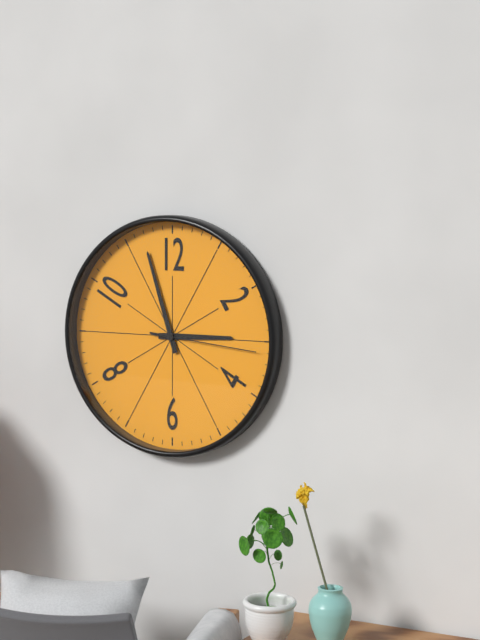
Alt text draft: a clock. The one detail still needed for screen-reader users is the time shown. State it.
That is 2:57:16
